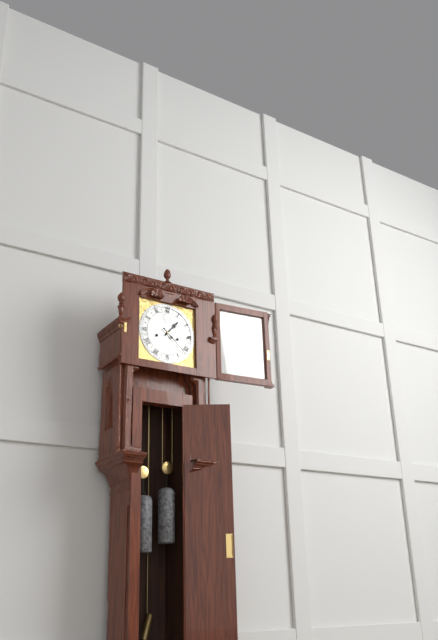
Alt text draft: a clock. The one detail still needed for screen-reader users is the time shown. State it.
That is 1:22
